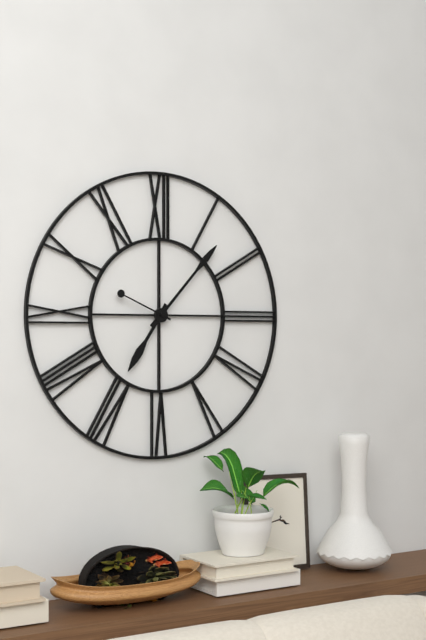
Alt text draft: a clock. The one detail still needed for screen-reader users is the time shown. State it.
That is 7:07:49
